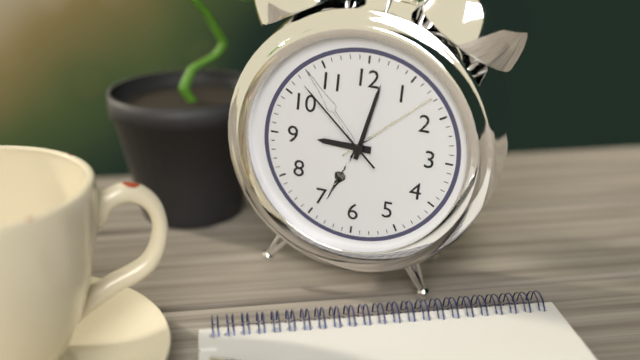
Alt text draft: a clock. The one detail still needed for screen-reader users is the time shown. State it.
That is 9:02:52
